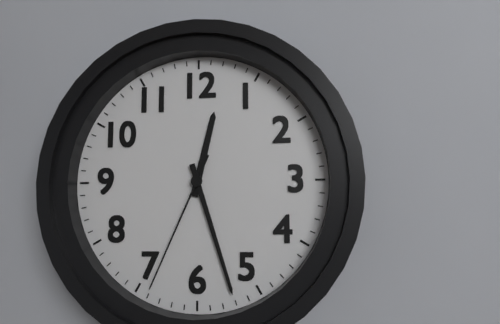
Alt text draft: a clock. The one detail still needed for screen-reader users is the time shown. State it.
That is 12:27:34
